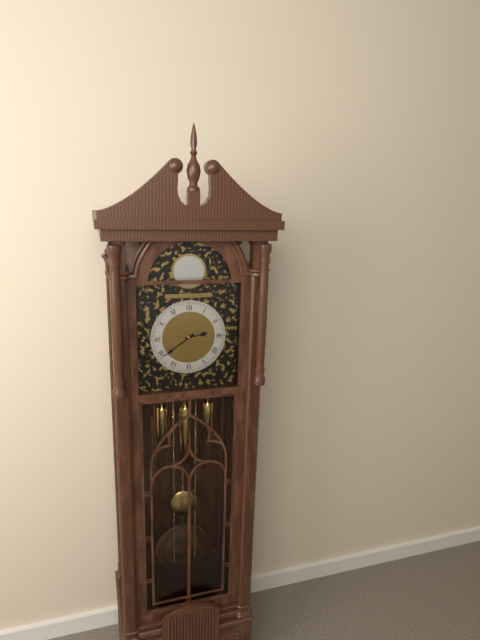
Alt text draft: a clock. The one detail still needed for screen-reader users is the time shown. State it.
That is 2:39
